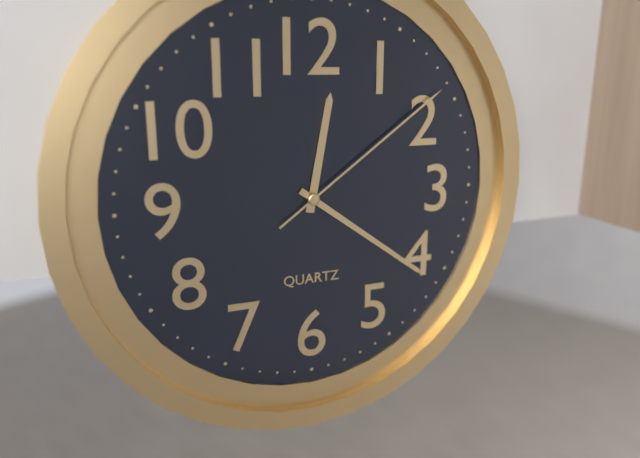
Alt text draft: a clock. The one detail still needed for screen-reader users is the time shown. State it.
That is 12:21:09
